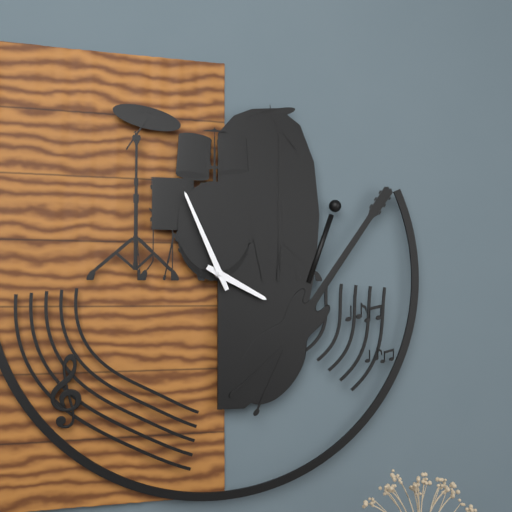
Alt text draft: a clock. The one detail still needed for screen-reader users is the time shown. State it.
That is 3:56
